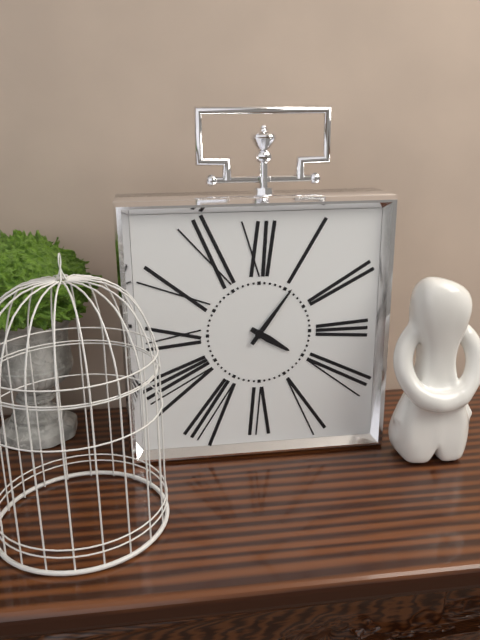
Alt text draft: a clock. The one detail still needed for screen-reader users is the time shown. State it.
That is 4:06
